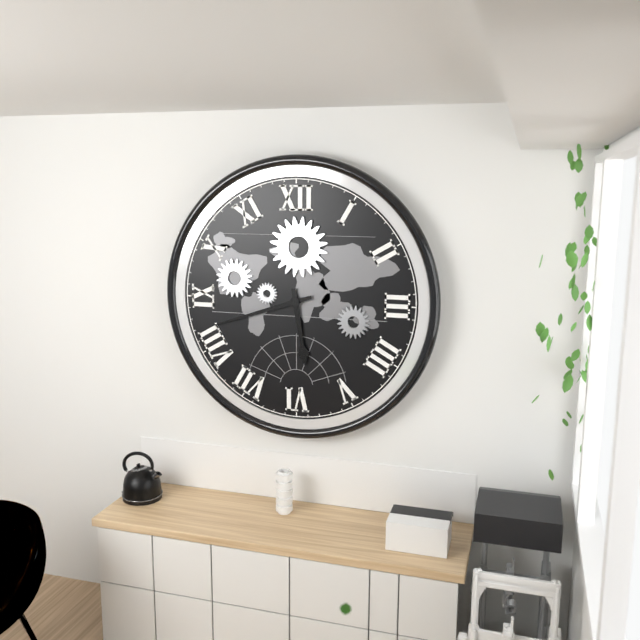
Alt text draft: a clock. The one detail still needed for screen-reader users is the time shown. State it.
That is 5:42
